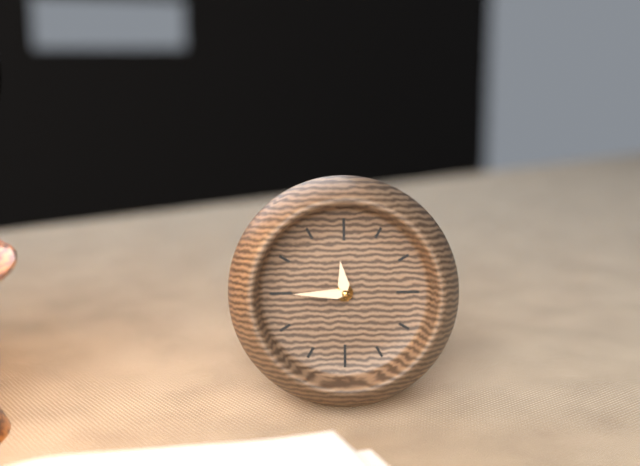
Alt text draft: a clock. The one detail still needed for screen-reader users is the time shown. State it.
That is 11:45
